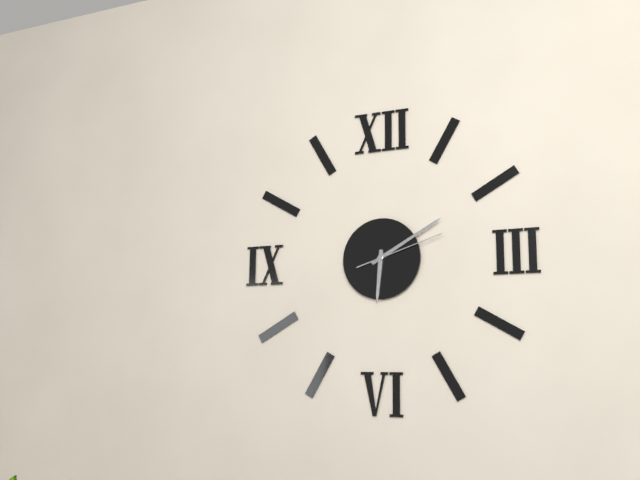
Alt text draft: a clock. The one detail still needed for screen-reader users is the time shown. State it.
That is 6:10:12
